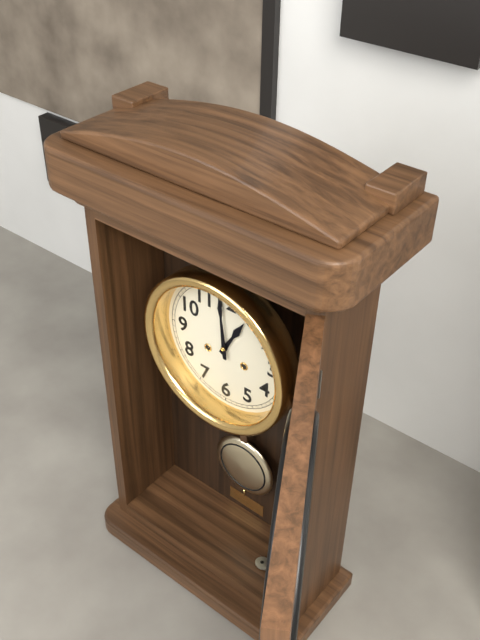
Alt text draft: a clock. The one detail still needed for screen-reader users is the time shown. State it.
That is 12:59
